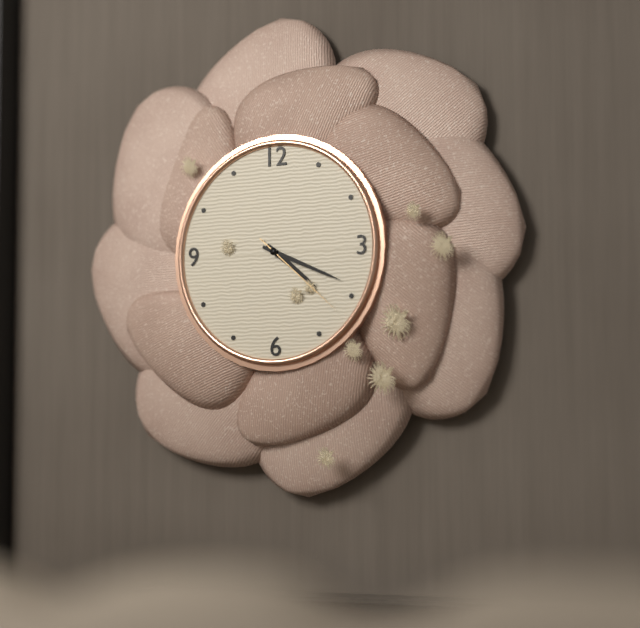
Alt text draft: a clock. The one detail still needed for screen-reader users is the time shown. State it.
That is 4:19:22
